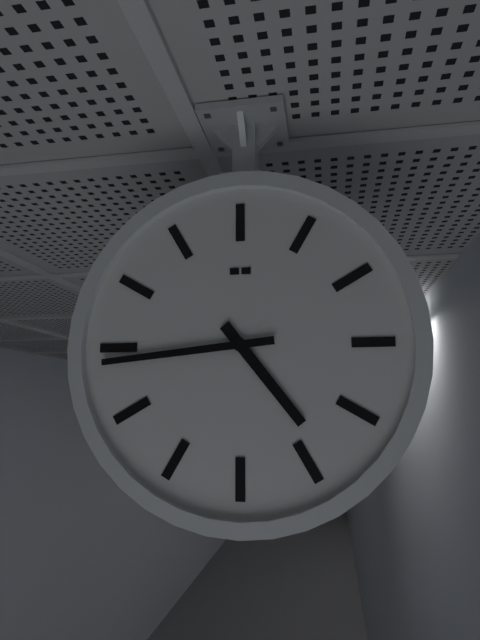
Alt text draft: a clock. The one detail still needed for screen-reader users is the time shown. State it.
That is 4:44
